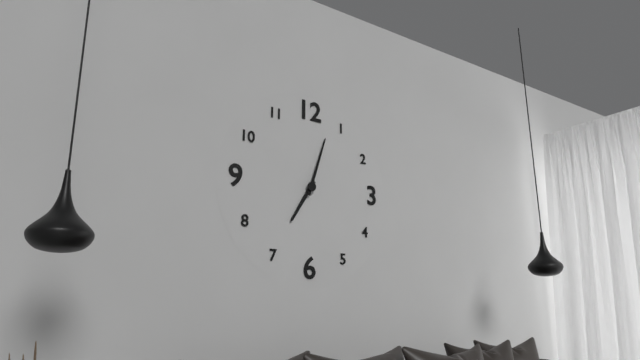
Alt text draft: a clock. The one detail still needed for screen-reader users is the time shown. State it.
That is 7:03
